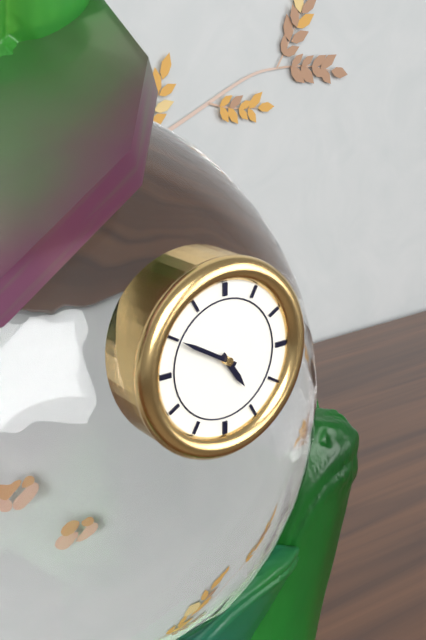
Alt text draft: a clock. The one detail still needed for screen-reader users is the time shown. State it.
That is 4:50
